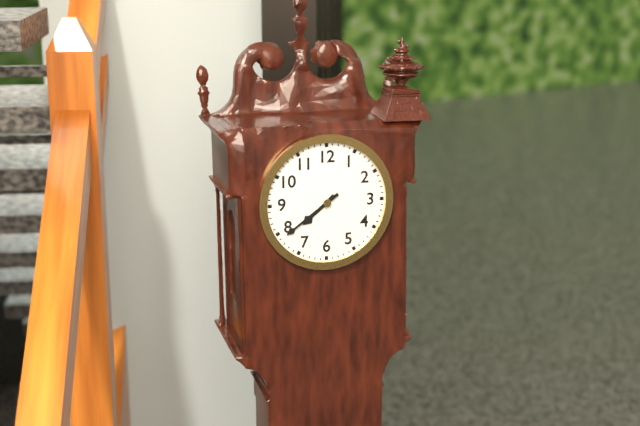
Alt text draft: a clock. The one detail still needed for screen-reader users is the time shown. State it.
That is 7:39
